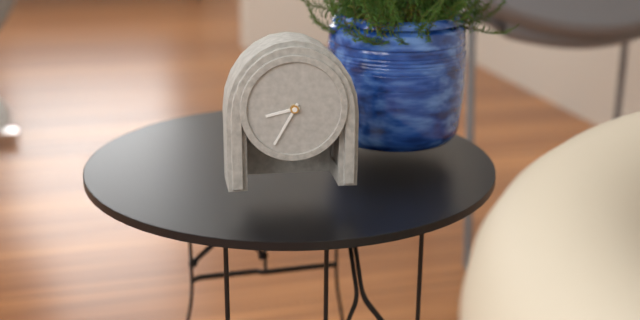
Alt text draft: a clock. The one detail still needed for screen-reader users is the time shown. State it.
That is 8:35
